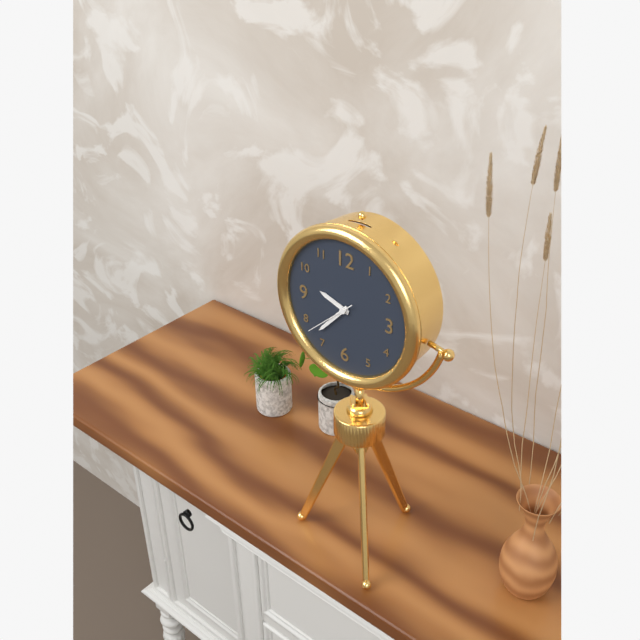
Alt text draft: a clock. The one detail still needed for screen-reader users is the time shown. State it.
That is 9:37
